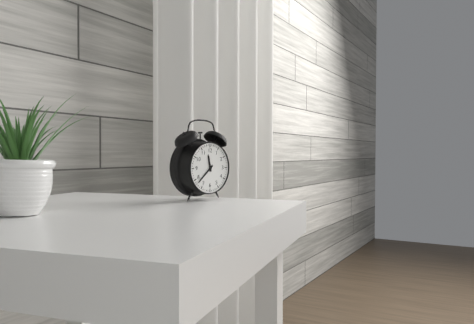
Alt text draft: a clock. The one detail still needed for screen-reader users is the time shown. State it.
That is 11:38
